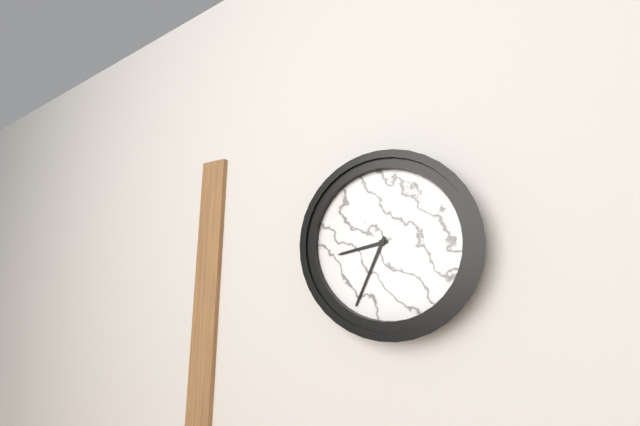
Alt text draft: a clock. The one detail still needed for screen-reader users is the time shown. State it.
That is 8:34
